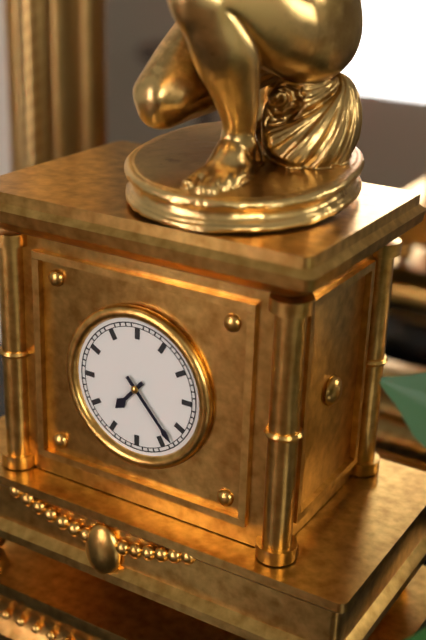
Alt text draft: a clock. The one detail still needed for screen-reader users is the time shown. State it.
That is 7:23
